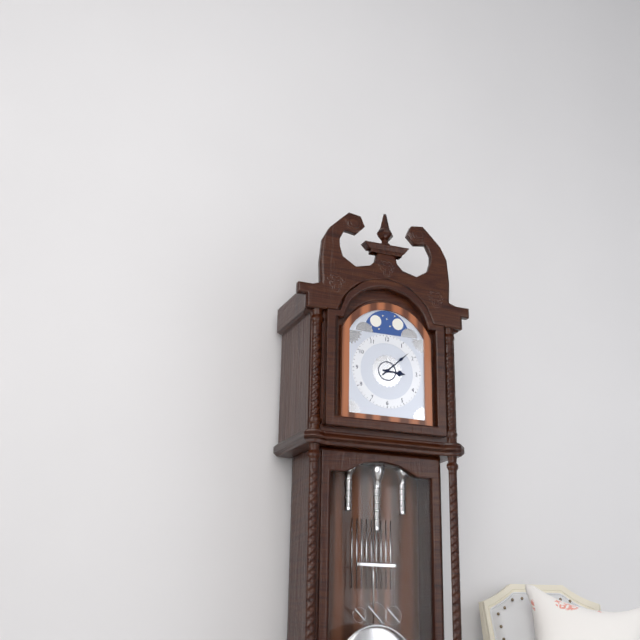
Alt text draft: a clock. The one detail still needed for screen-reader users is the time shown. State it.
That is 3:08
